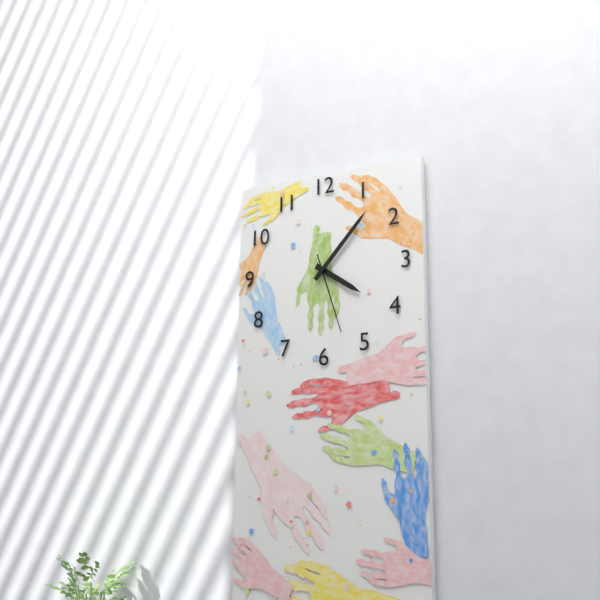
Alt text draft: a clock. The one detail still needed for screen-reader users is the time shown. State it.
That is 4:07:27
